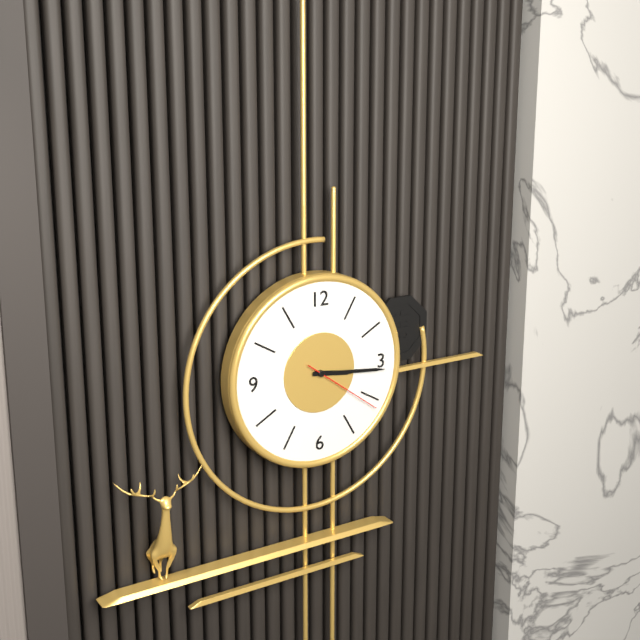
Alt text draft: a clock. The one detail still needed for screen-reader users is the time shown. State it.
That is 3:16:21
